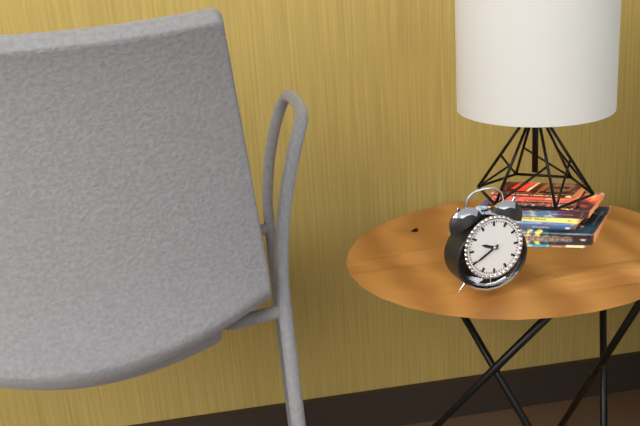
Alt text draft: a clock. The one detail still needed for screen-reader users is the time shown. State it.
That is 9:40
